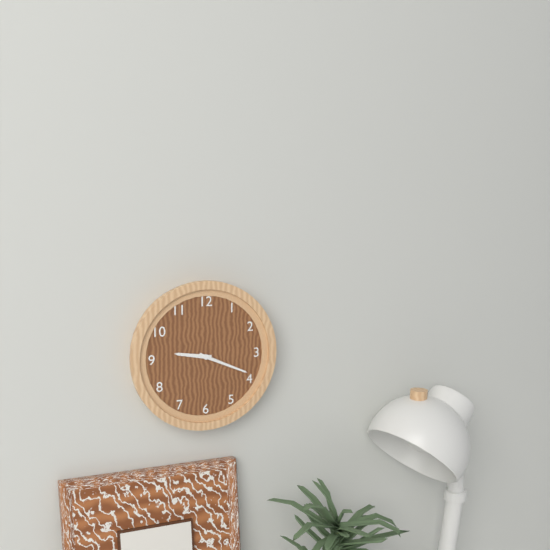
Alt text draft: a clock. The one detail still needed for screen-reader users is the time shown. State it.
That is 9:19
